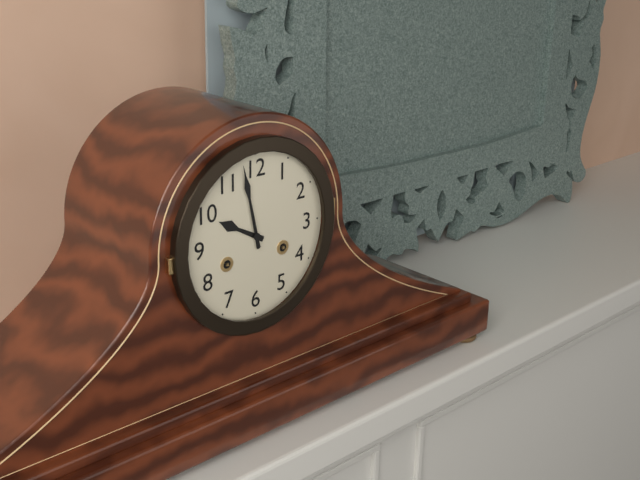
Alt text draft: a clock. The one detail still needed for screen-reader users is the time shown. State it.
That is 9:58
